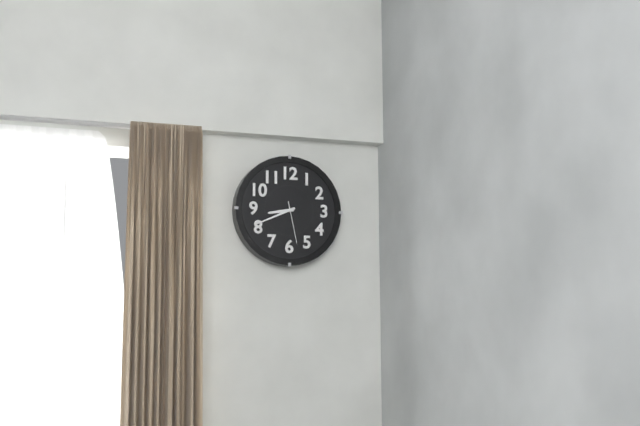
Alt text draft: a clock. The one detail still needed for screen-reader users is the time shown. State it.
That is 8:41
